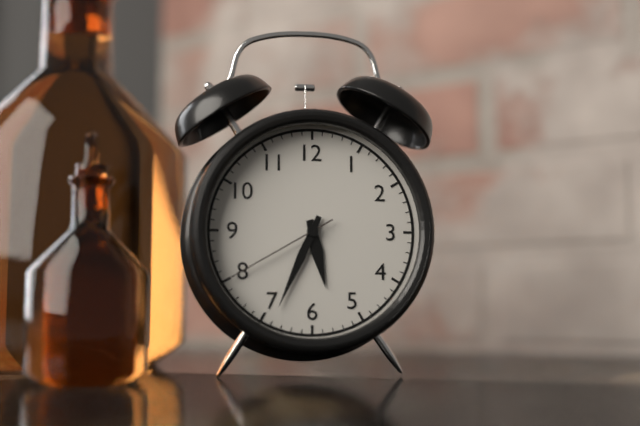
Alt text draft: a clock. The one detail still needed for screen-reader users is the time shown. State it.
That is 5:34:40
